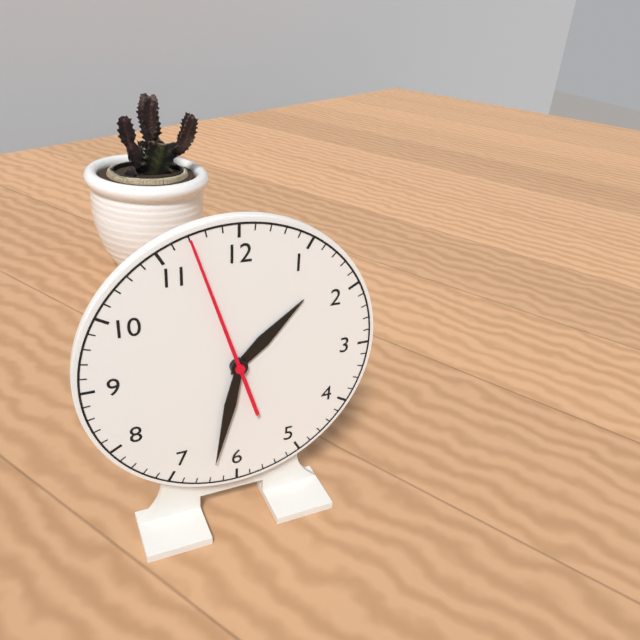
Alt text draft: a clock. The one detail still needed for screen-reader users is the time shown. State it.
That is 1:32:57
